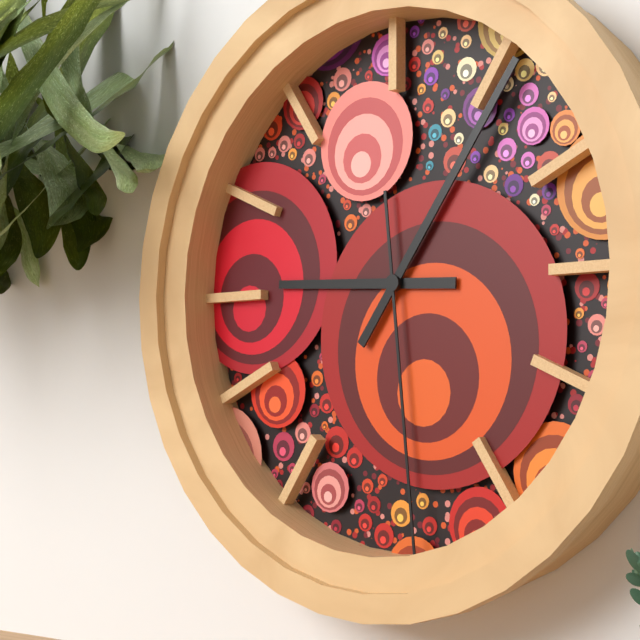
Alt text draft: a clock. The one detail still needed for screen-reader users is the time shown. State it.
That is 9:06:29
